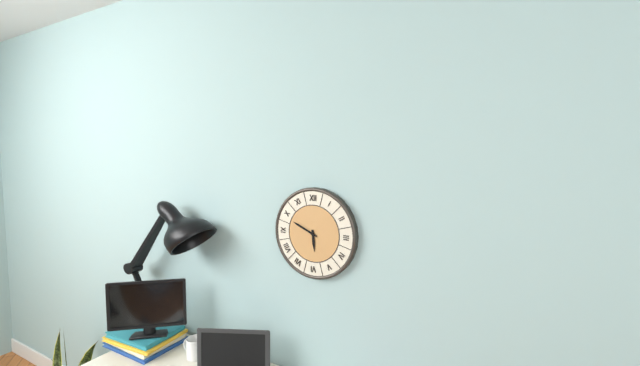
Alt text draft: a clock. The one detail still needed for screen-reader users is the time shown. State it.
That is 5:49
